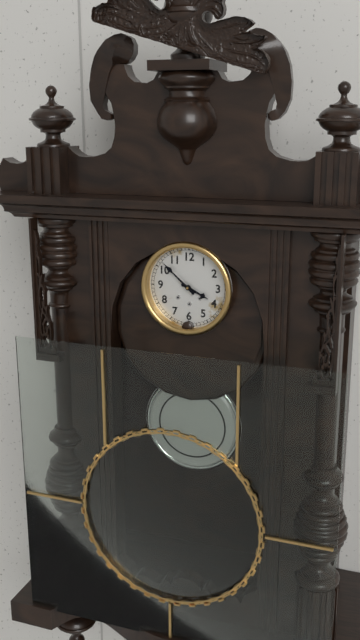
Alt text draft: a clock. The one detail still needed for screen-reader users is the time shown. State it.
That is 3:52
